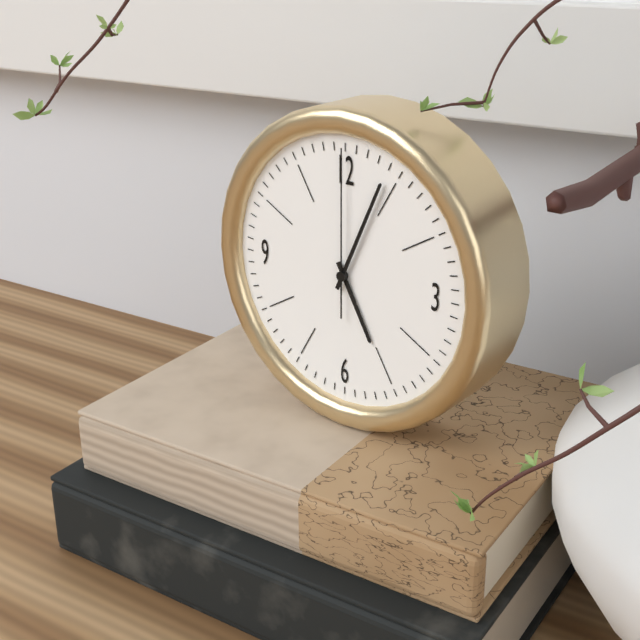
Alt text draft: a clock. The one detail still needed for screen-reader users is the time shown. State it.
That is 5:04:00
